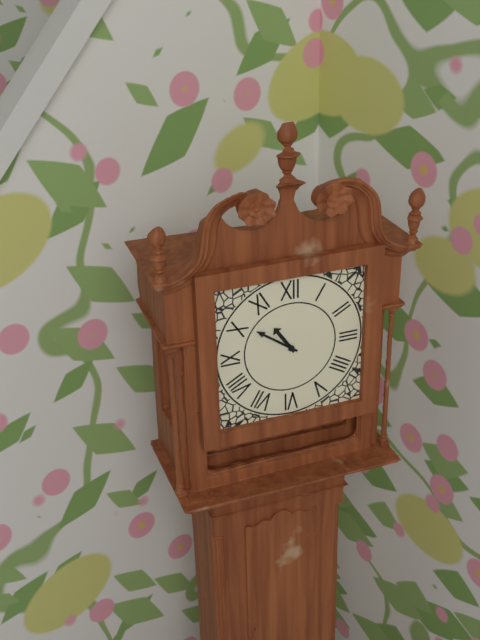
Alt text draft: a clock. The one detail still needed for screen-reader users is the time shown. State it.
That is 10:51
